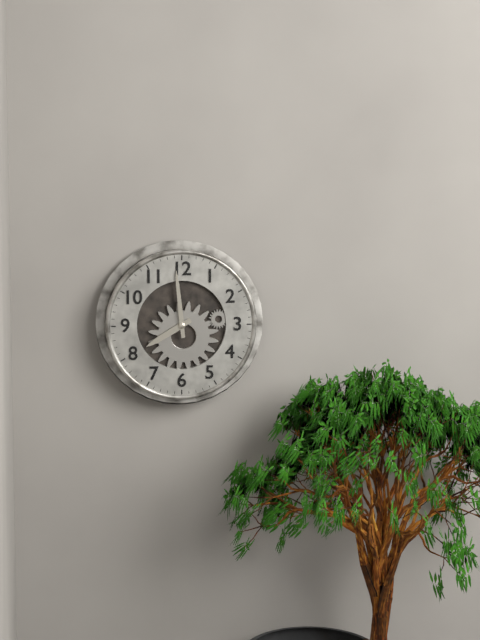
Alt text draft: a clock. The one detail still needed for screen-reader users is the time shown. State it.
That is 7:59
